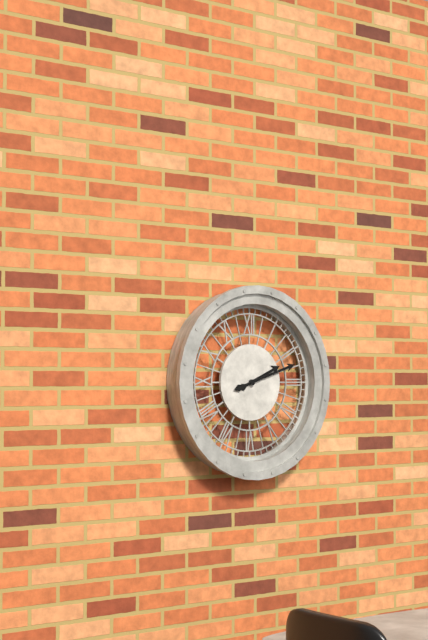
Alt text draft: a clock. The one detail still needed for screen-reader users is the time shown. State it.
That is 2:12
